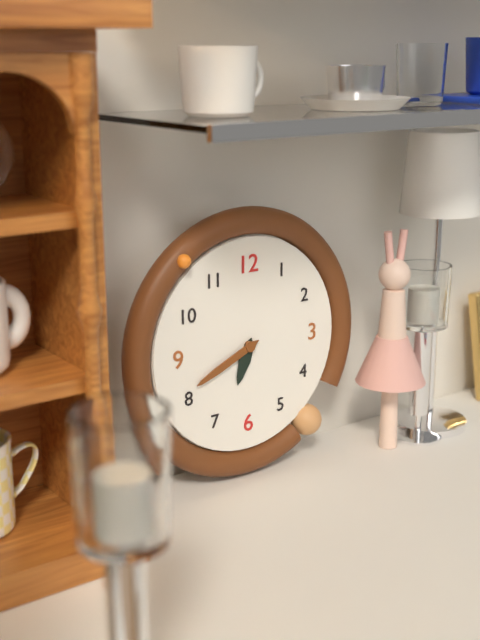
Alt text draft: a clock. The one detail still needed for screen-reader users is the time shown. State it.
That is 6:41
